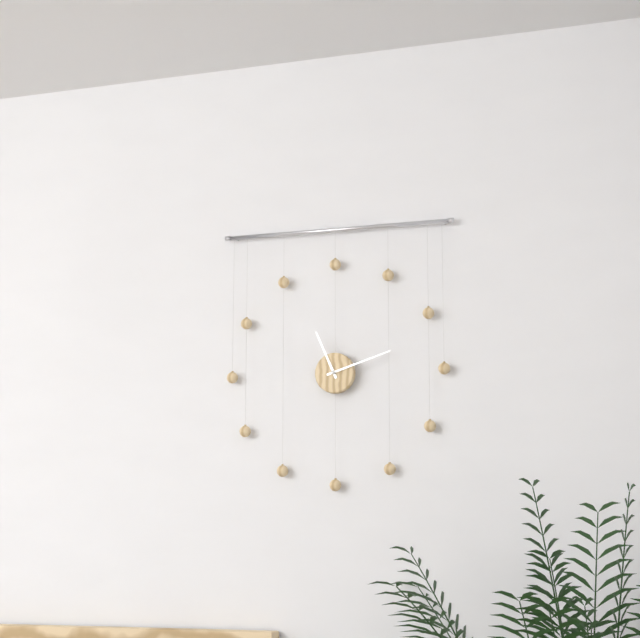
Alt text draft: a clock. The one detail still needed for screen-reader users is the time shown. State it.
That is 11:12
